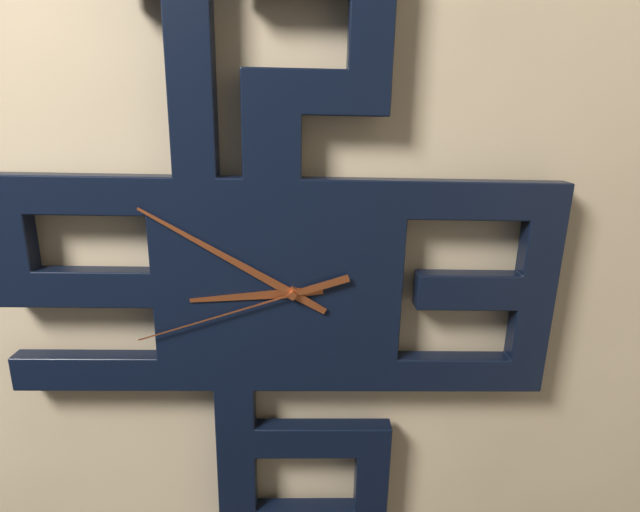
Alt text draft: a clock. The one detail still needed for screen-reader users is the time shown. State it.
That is 8:50:42
